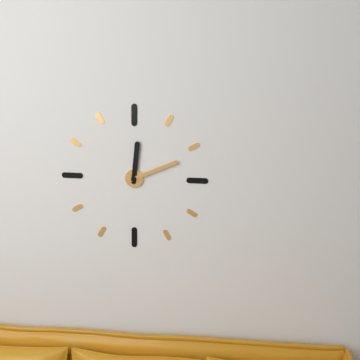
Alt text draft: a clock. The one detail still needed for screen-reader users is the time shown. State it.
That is 12:11
